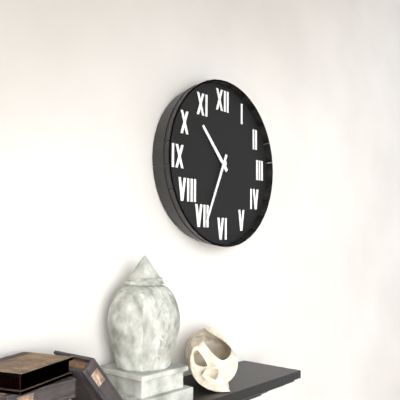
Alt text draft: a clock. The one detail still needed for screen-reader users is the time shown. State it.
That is 10:34
